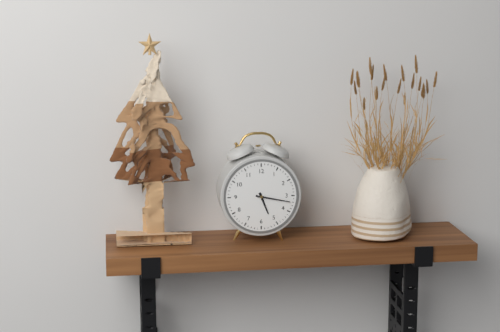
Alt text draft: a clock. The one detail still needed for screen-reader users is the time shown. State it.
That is 5:17
